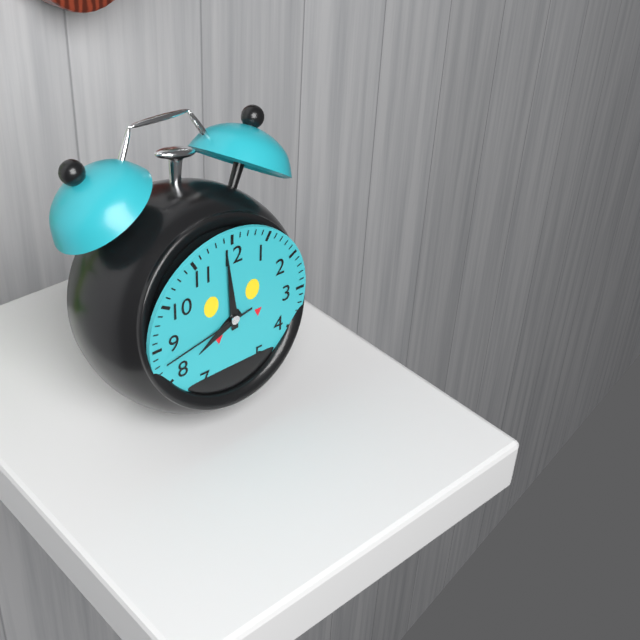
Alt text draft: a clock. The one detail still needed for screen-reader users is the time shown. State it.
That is 7:59:43
